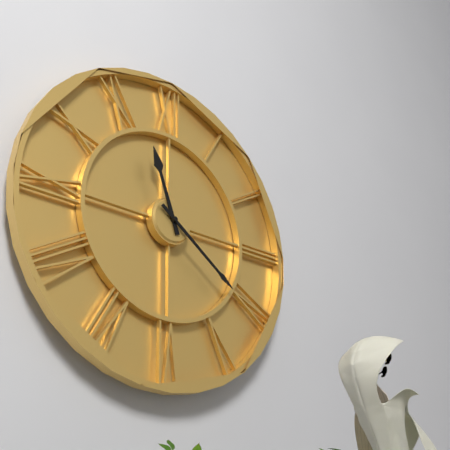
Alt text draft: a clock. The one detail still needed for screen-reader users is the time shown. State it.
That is 11:21
